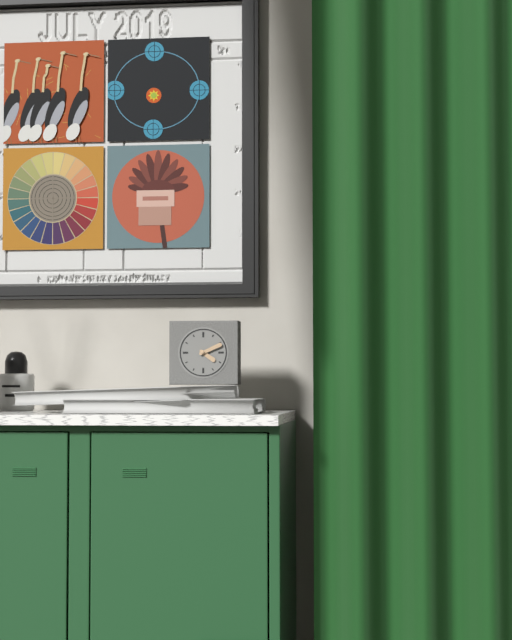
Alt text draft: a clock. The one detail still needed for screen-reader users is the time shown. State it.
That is 4:11
